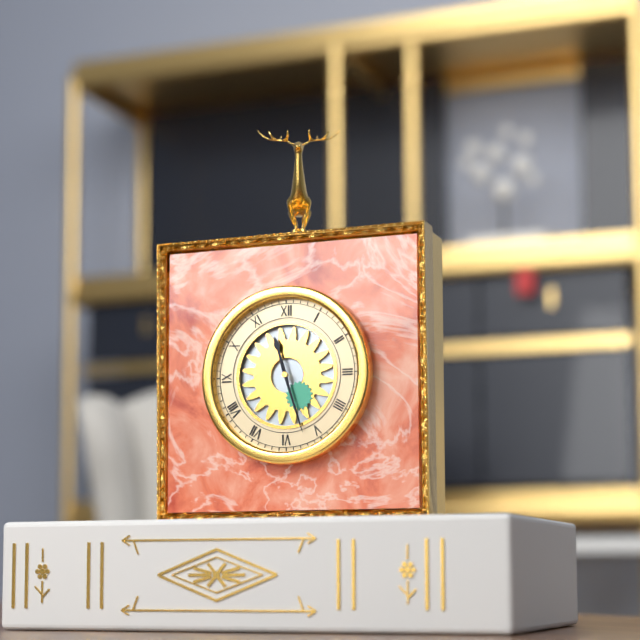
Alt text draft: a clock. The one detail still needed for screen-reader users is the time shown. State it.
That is 11:27
